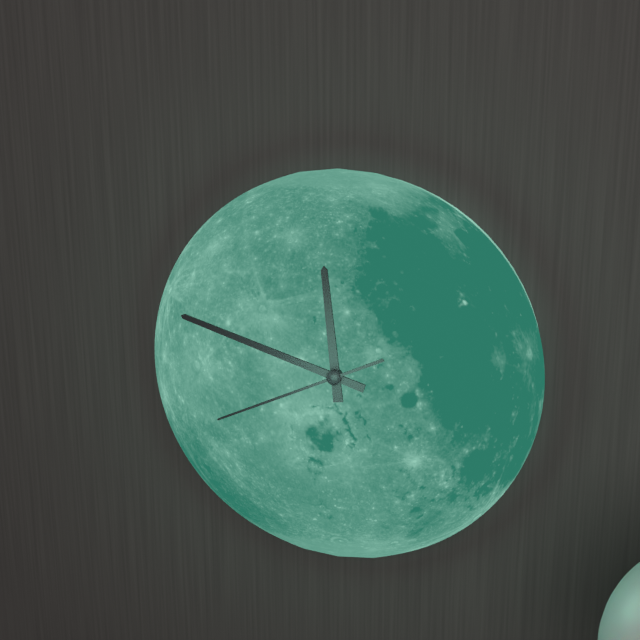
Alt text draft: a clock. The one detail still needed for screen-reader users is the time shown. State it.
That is 11:48:41
